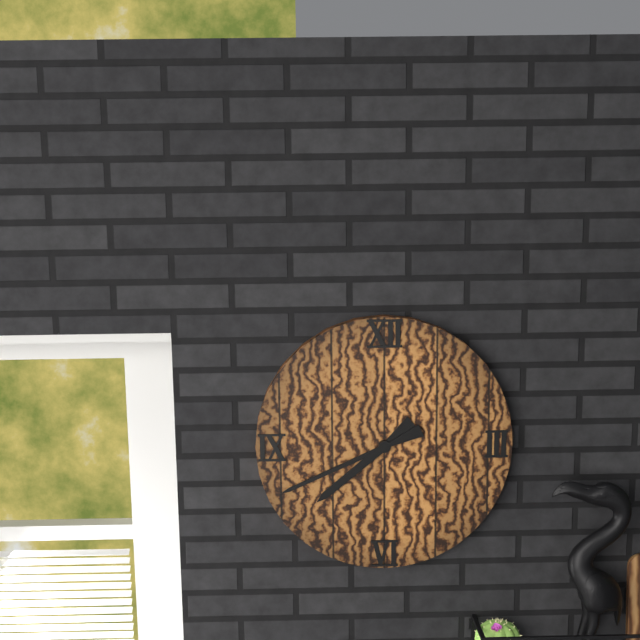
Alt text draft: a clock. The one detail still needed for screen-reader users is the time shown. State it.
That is 7:41
